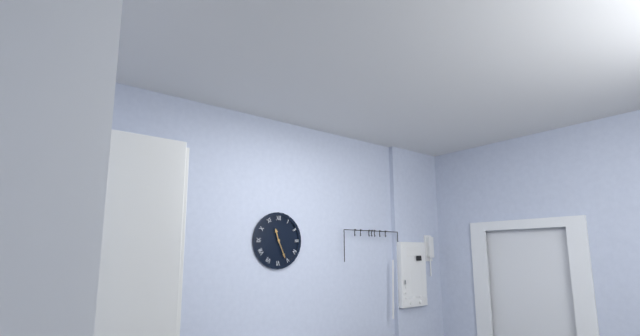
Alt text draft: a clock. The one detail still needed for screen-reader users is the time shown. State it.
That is 11:26
